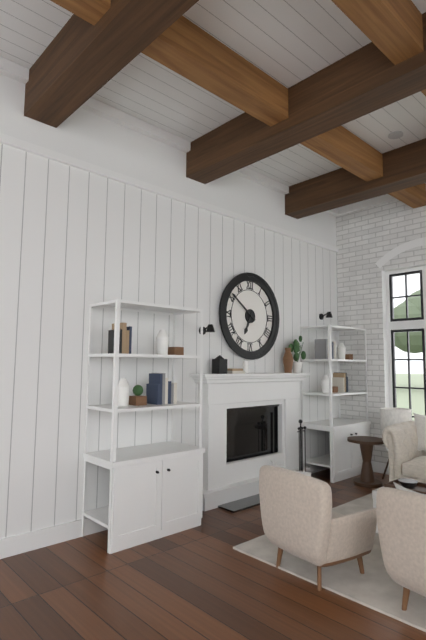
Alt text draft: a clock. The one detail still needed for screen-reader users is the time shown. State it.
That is 6:51
